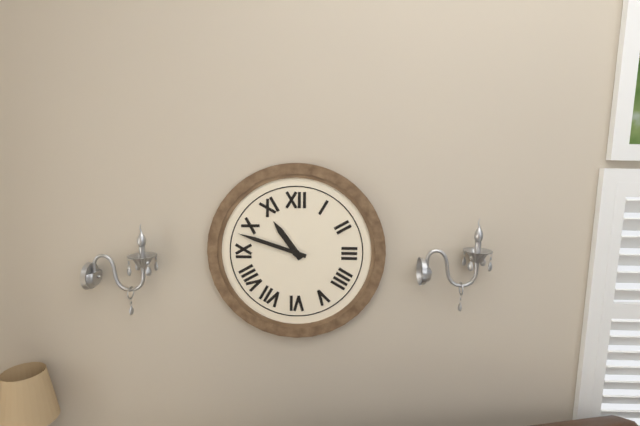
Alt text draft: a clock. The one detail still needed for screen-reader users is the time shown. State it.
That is 10:48
